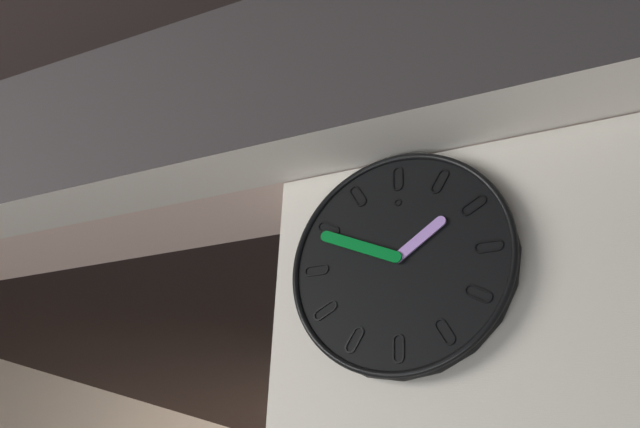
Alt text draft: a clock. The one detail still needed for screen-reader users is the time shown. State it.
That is 1:49
